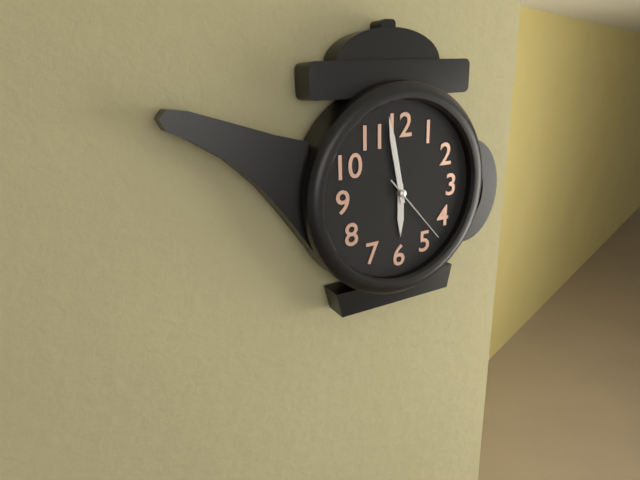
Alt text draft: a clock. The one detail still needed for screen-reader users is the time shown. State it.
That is 5:58:23
